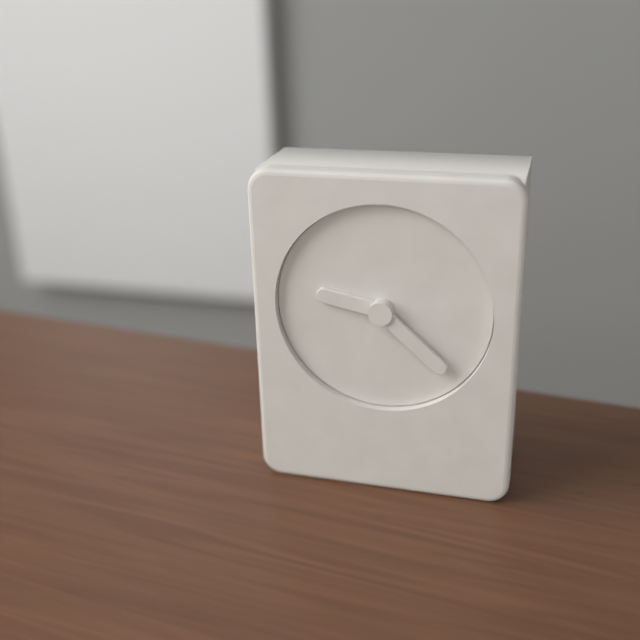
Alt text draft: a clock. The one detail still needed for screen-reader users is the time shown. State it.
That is 9:22
